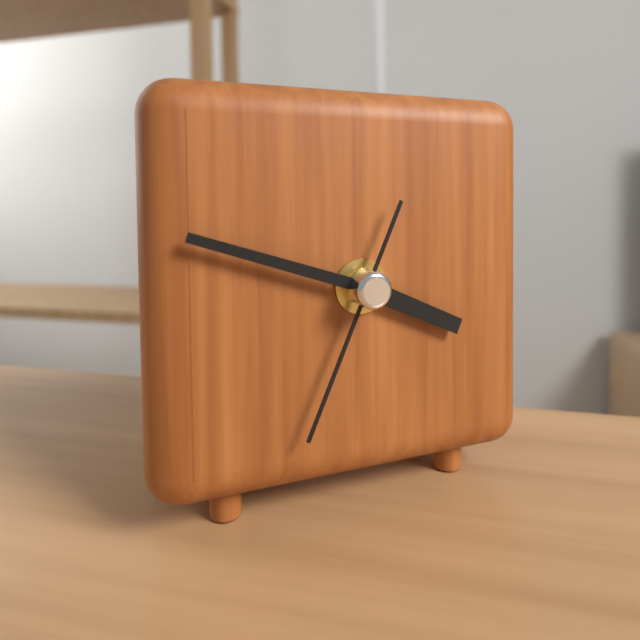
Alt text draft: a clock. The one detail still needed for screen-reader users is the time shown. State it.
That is 3:48:34
